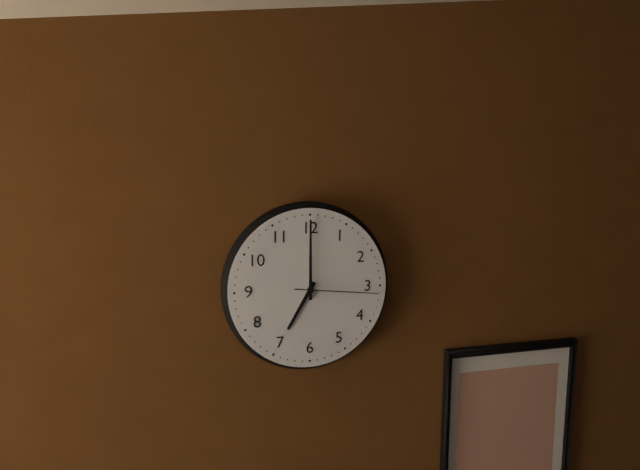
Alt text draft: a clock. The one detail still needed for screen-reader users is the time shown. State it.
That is 7:00:16
